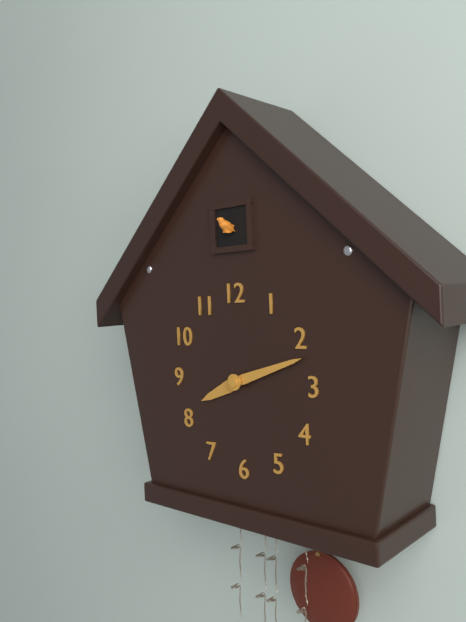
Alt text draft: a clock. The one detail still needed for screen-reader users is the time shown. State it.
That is 8:12
